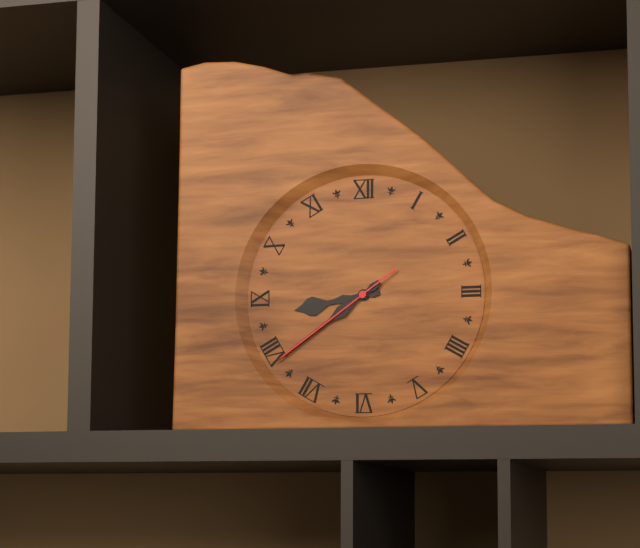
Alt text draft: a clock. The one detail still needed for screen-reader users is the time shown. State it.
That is 8:39:39
